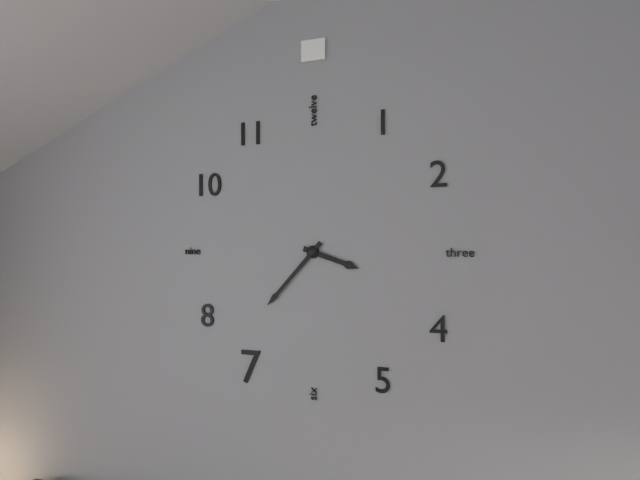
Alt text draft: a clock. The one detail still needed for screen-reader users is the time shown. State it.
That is 3:37
